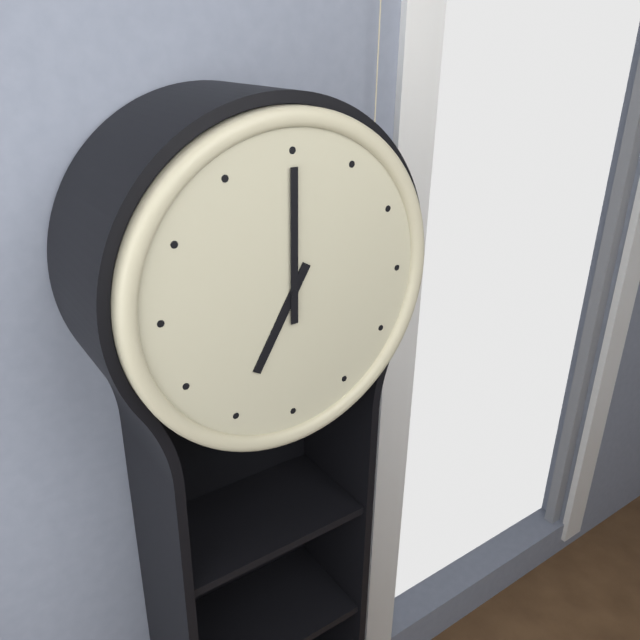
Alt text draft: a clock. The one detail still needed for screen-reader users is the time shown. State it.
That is 7:00
